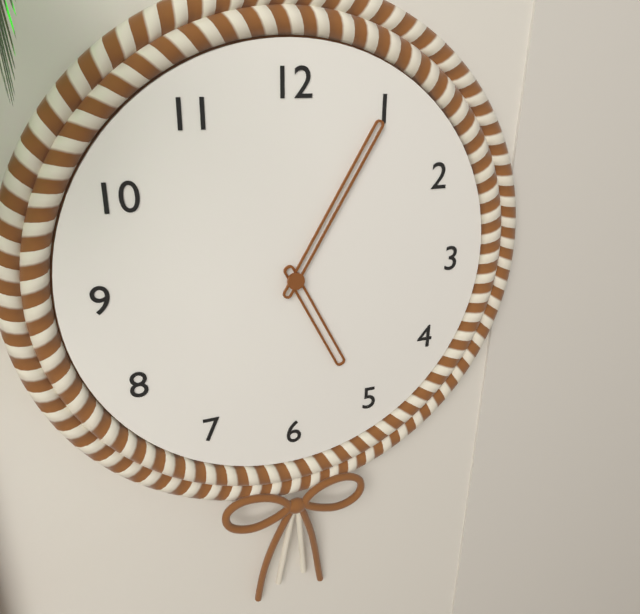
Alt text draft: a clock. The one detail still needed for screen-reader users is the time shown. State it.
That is 5:05
